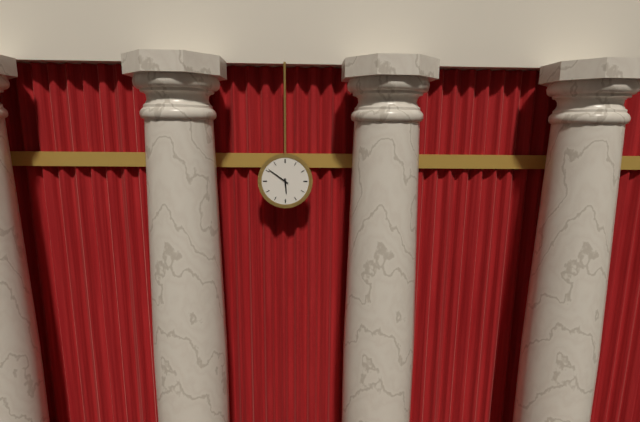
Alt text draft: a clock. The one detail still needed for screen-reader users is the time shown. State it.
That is 5:51
